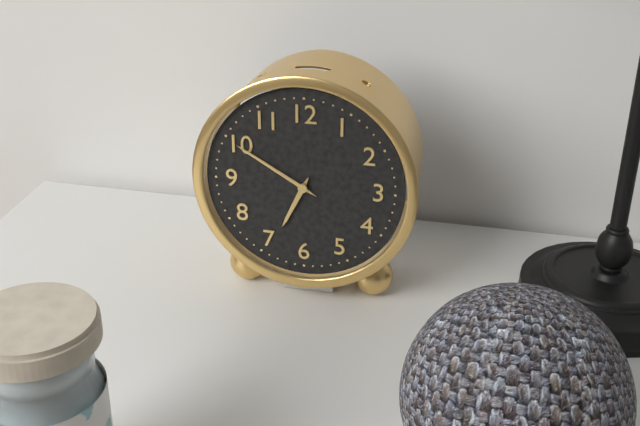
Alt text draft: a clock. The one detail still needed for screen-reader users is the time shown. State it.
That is 6:50
